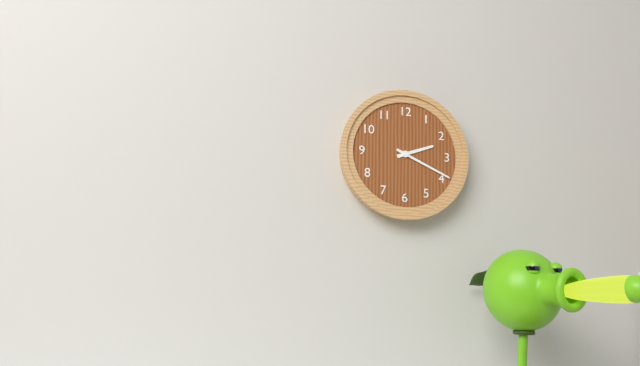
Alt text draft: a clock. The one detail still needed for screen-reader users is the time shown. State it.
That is 2:19
